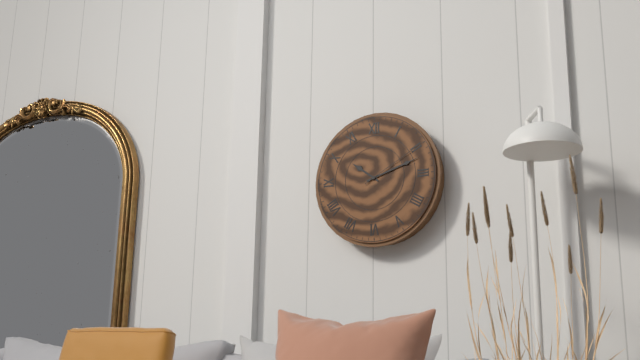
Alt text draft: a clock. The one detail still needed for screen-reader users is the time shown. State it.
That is 10:12:10
